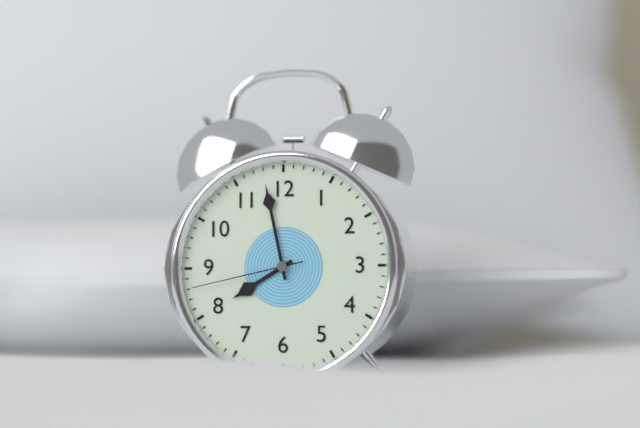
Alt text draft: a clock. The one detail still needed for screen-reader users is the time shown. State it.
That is 7:58:43
